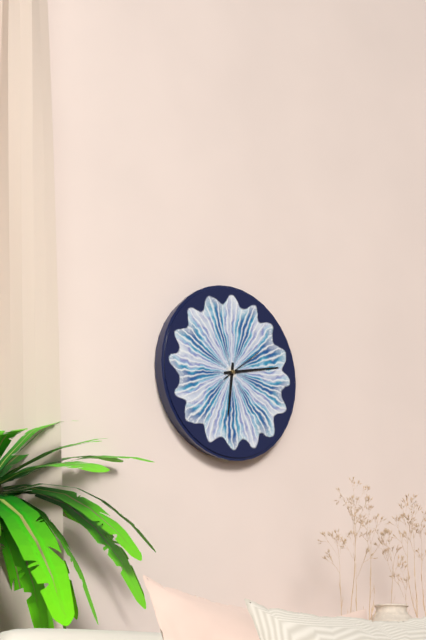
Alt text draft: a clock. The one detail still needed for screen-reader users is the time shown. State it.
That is 6:13
